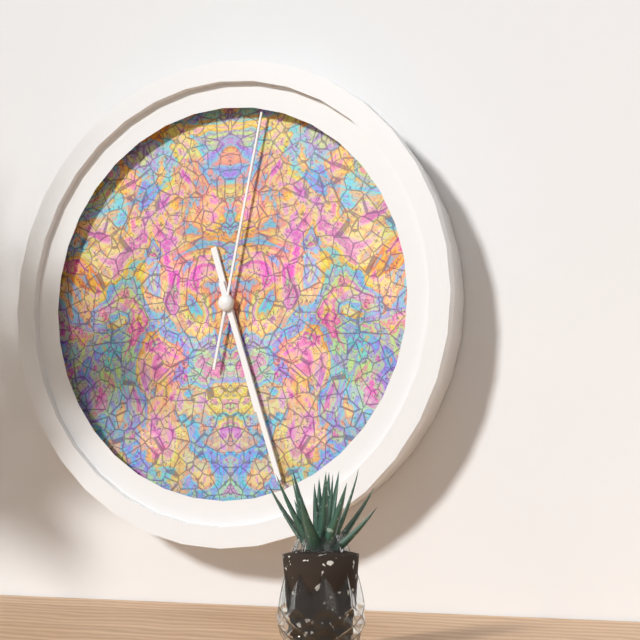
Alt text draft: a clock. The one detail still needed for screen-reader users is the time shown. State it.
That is 5:27:02
